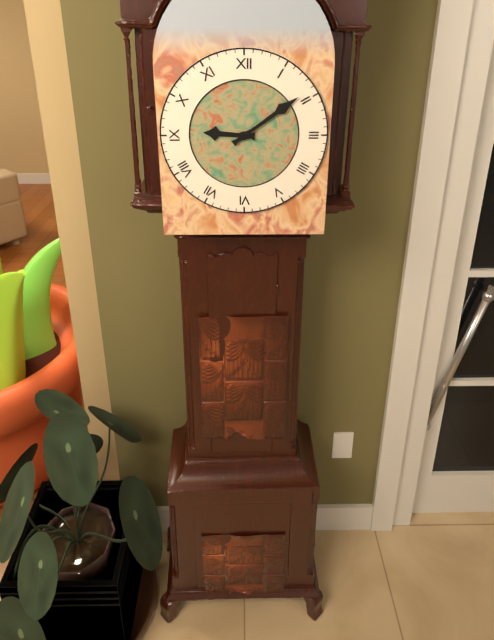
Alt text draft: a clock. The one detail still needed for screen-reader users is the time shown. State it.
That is 9:09
